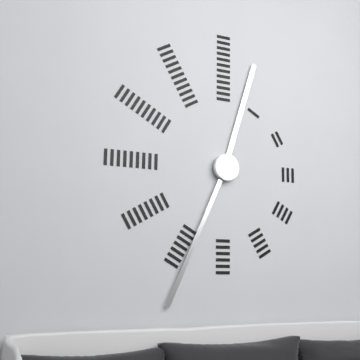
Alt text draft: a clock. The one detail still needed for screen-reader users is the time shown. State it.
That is 12:34
